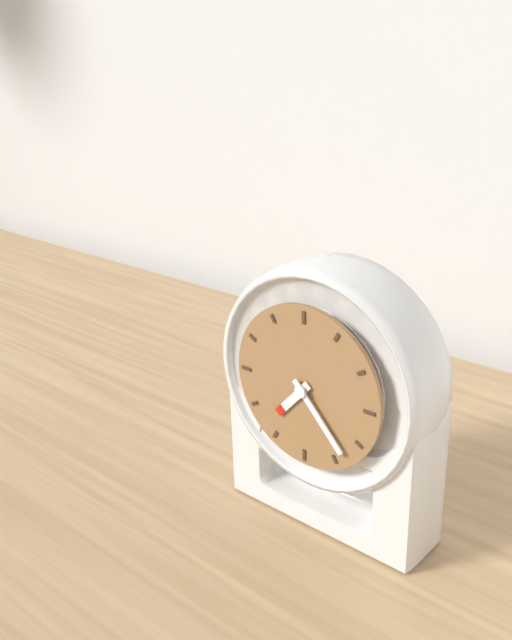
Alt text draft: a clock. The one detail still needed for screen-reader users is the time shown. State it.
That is 7:23
